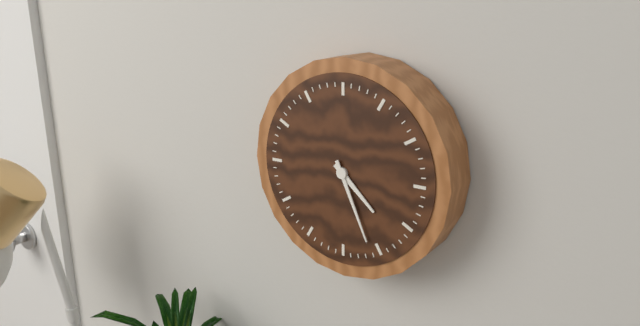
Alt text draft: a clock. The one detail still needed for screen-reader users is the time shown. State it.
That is 4:26
